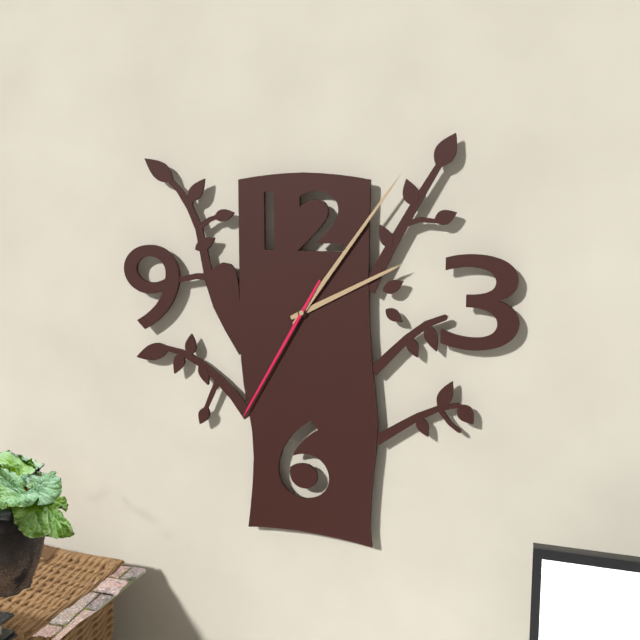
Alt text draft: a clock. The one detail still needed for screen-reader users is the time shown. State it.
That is 2:06:35
